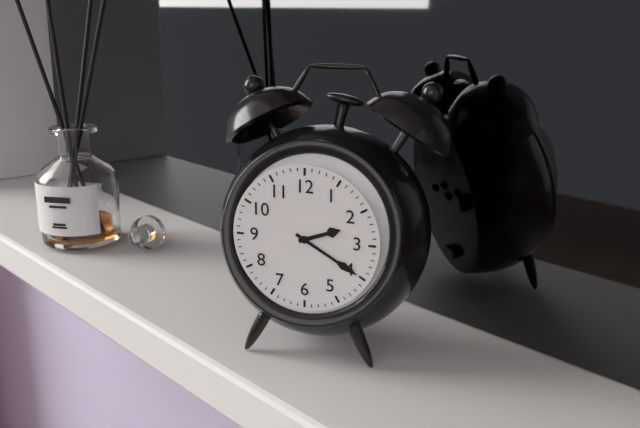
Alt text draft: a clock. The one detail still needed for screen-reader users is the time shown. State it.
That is 2:20
